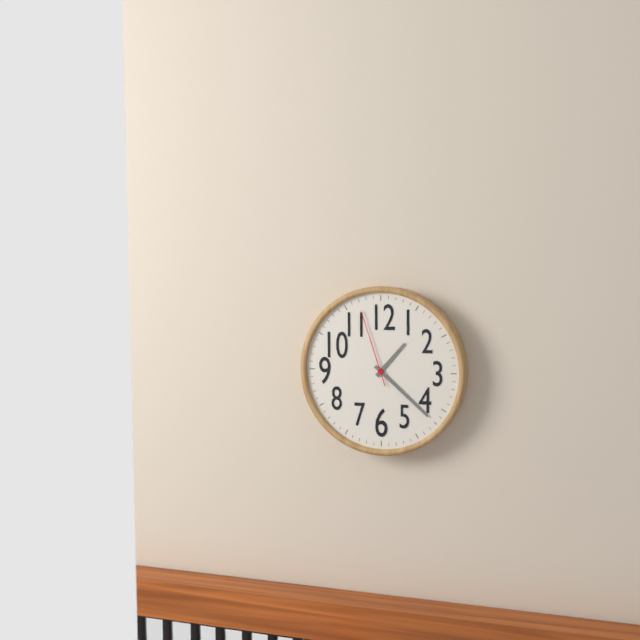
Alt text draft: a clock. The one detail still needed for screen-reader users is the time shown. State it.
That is 1:22:57
